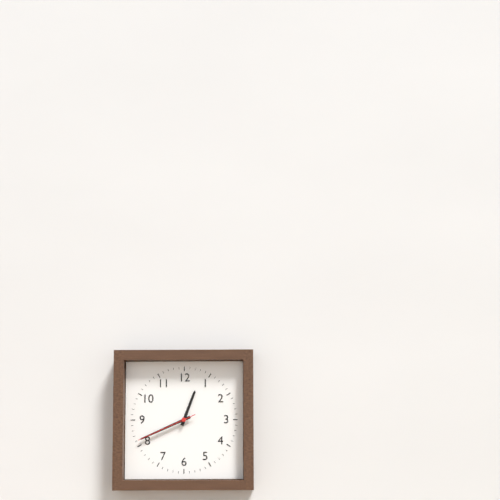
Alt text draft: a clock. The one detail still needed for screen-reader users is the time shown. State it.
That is 12:41:41
